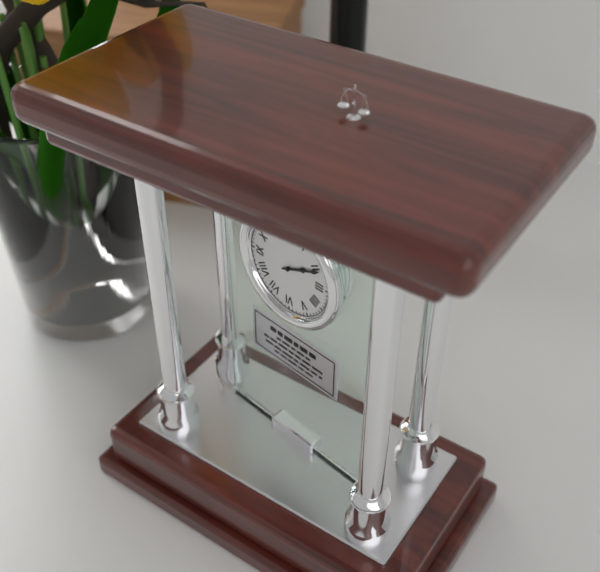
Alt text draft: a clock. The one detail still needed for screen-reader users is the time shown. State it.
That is 2:11
